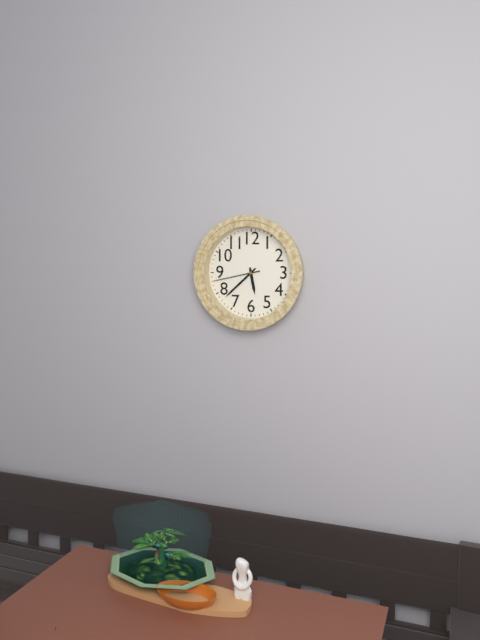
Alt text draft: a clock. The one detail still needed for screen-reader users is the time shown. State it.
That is 5:38
